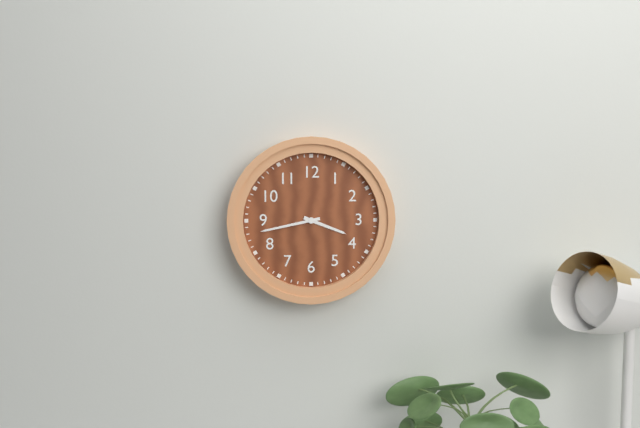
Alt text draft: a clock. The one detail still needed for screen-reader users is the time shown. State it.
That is 3:43
